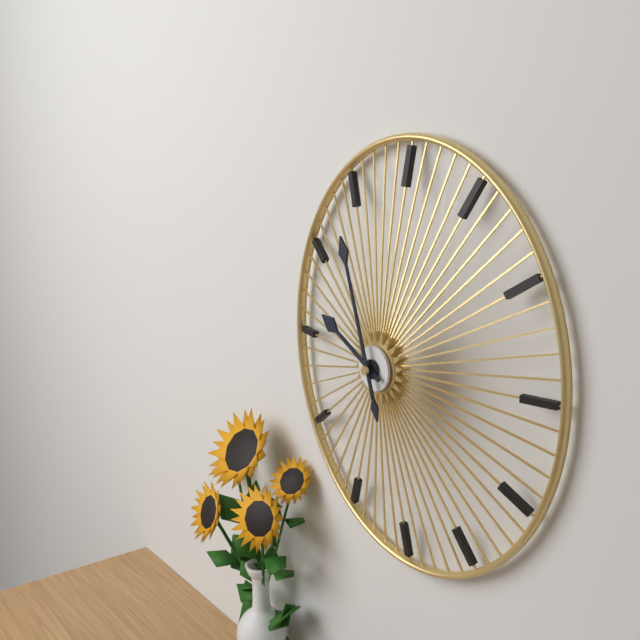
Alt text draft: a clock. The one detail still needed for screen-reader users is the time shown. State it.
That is 9:57
